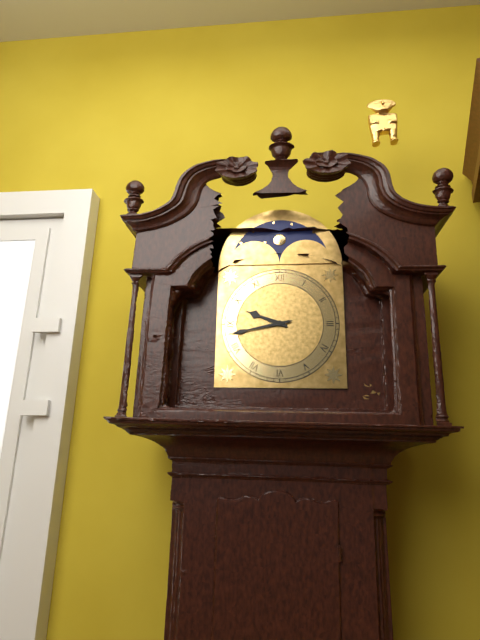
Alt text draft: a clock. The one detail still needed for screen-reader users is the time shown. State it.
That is 9:43
